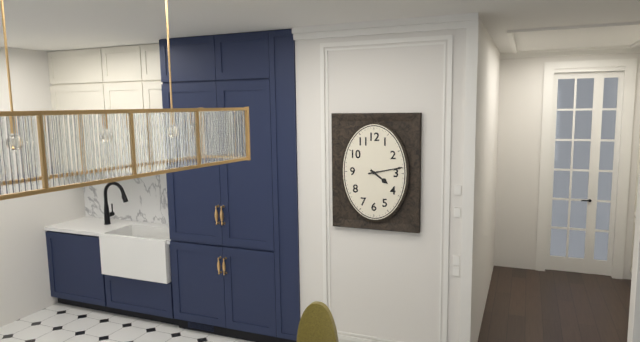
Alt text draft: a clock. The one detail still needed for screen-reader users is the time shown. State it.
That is 4:13
